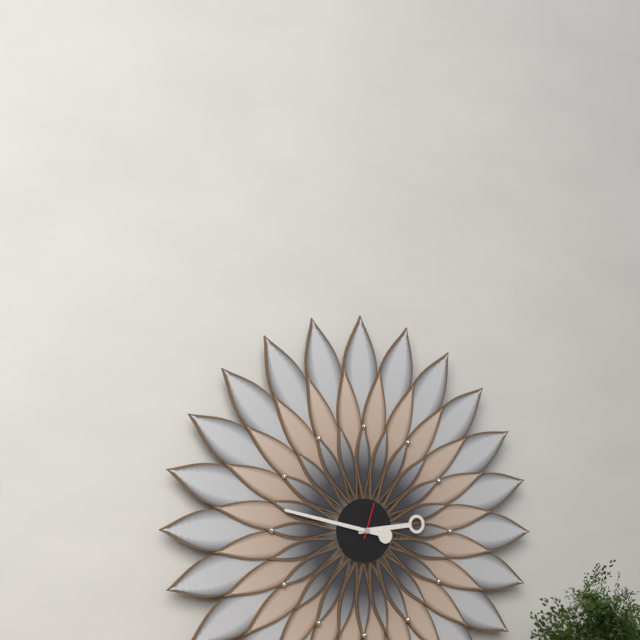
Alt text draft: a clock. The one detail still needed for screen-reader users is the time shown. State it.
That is 2:47
